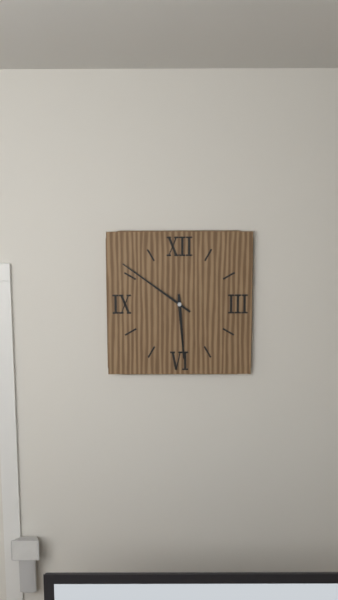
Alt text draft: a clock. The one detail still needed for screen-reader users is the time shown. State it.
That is 5:51
